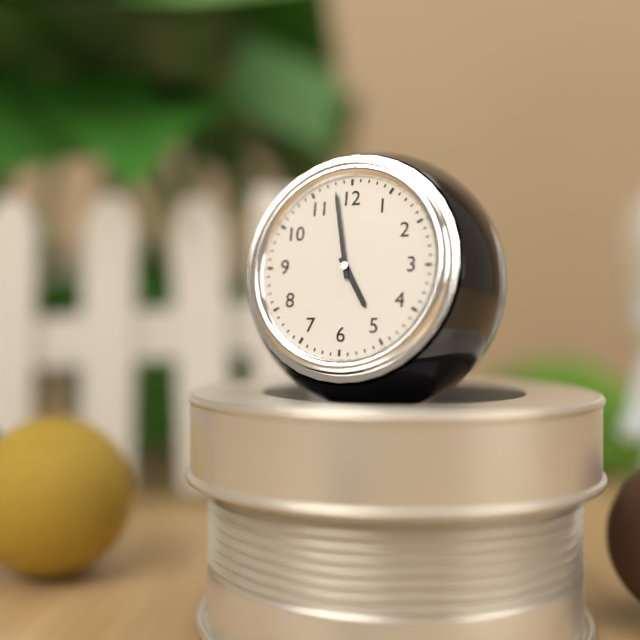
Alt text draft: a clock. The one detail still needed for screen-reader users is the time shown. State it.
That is 4:58
